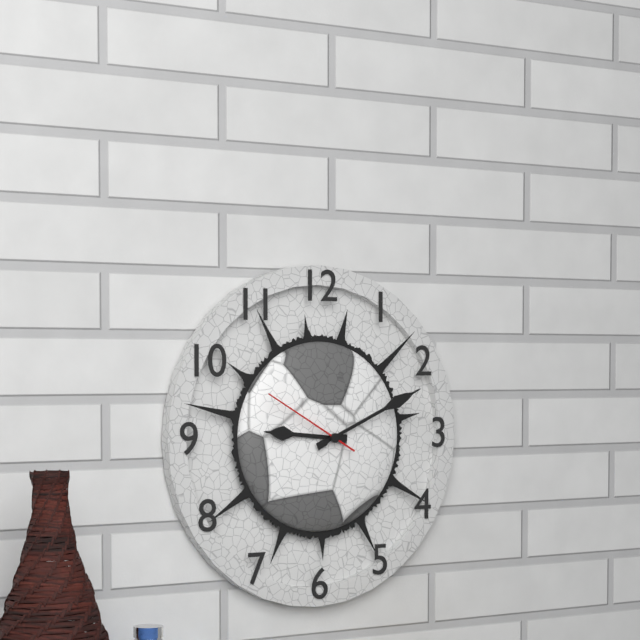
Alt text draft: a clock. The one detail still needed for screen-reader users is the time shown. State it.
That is 9:11:50
